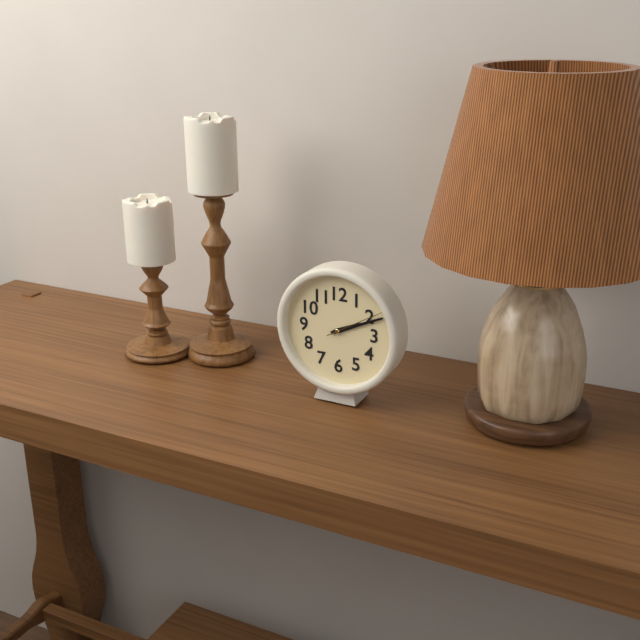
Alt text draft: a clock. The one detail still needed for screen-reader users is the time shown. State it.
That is 2:11:10
